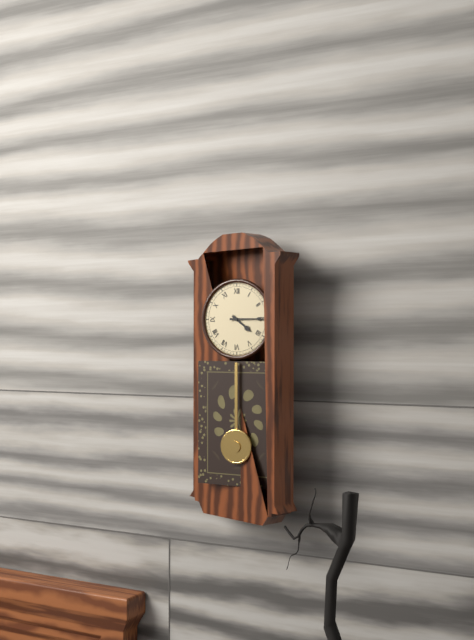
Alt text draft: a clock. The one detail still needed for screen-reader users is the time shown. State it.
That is 4:15
